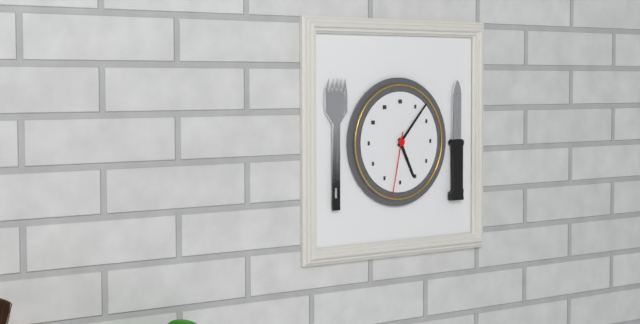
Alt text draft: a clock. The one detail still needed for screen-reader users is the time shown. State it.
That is 5:07:32
